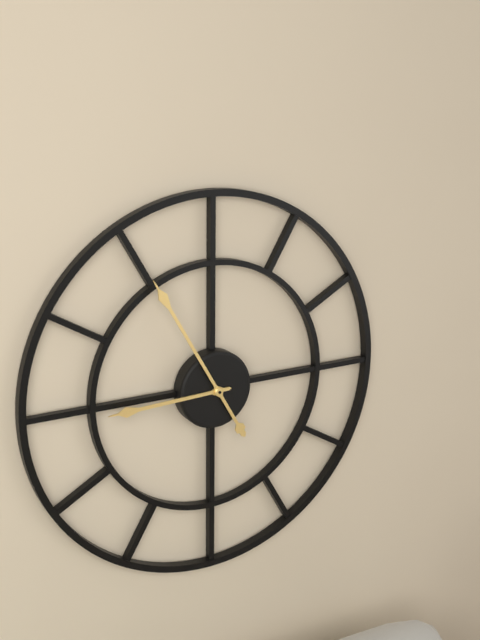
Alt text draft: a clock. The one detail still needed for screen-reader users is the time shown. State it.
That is 8:55
